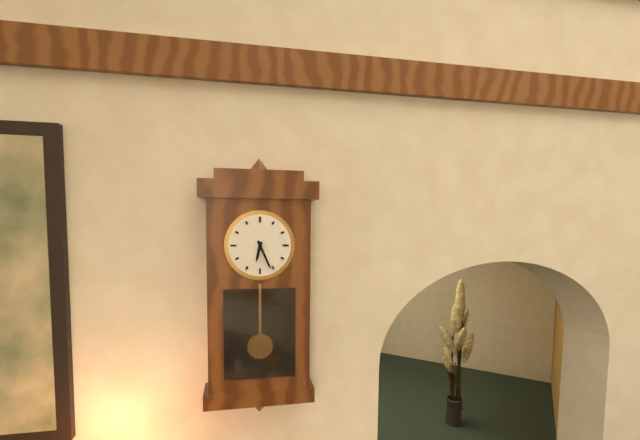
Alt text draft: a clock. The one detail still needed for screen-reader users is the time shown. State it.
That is 6:26
